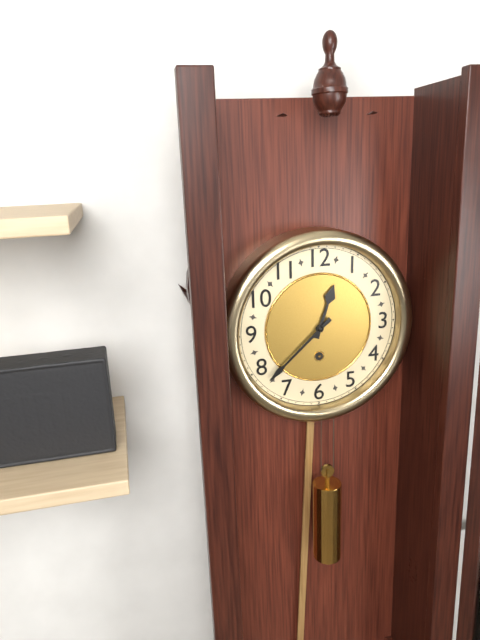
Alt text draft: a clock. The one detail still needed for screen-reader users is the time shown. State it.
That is 12:38
